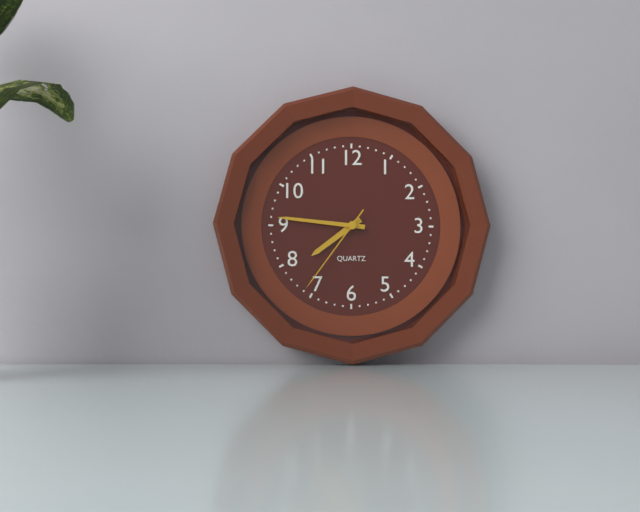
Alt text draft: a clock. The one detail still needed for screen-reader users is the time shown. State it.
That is 7:46:36
